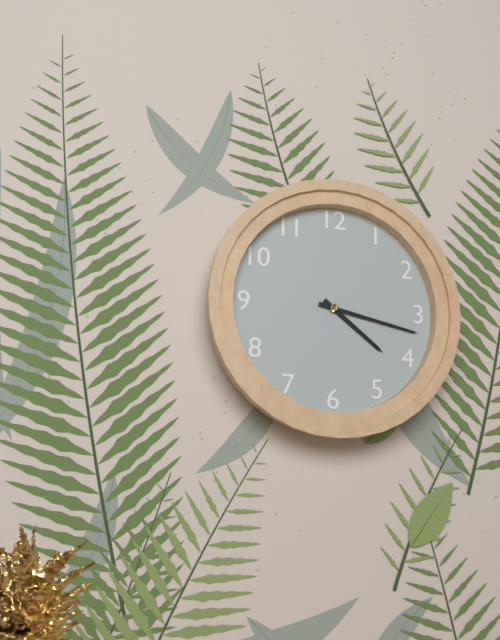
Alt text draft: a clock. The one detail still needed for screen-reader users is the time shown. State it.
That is 4:17
